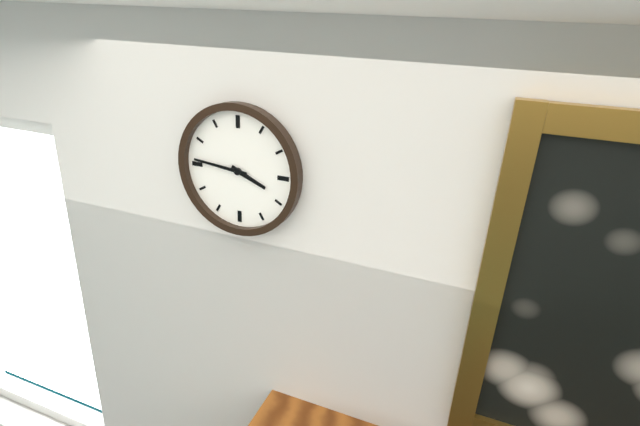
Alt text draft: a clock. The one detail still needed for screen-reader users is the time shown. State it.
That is 3:46
